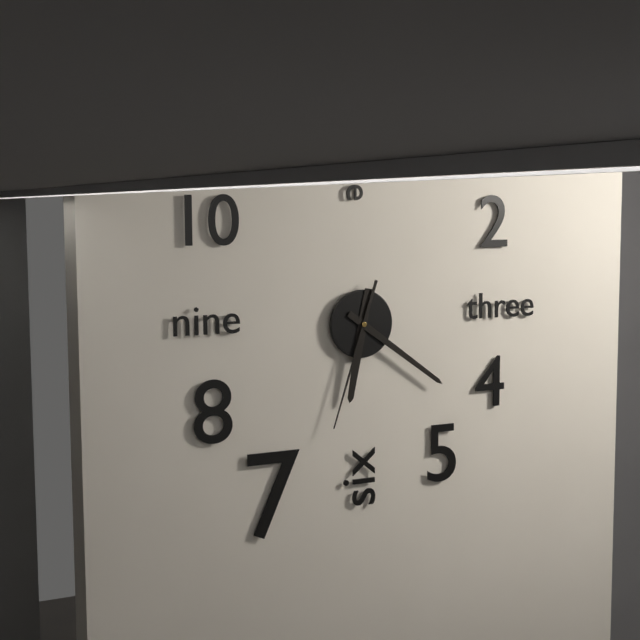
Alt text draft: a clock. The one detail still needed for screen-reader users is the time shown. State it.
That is 6:21:33
